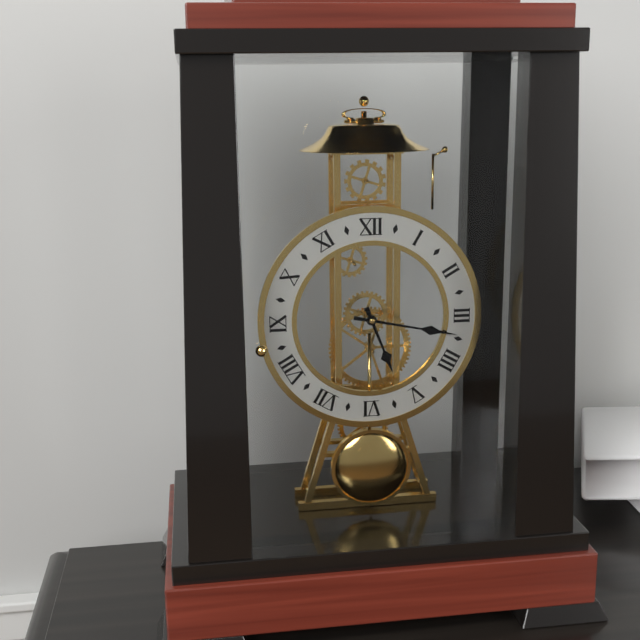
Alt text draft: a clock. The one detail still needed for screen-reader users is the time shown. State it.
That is 5:17
